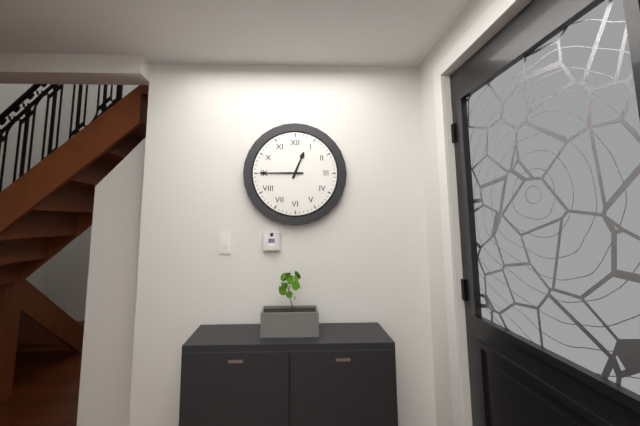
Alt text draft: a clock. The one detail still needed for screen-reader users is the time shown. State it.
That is 12:45
